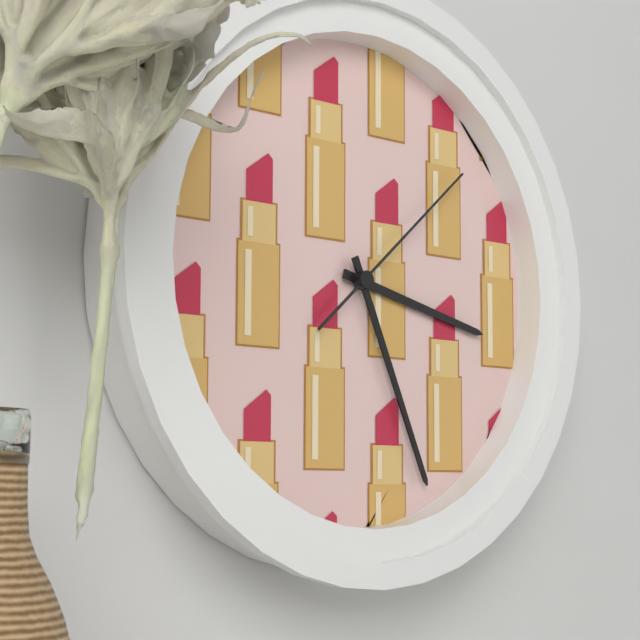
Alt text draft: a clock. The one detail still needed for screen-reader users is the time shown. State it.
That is 3:26:08
